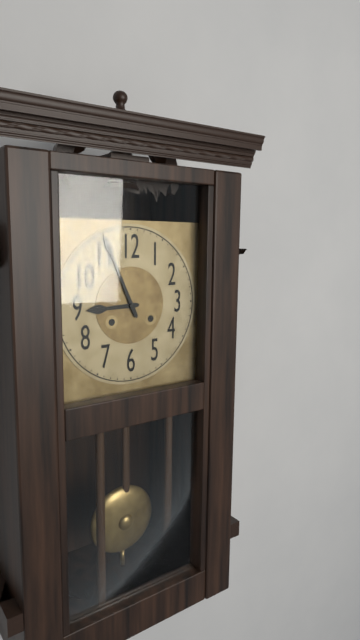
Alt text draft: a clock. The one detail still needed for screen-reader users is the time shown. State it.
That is 8:56
